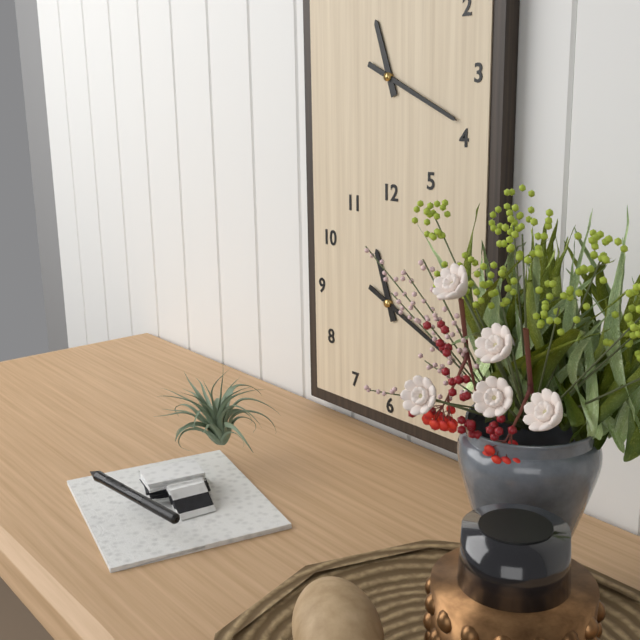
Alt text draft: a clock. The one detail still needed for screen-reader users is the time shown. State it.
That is 11:19
